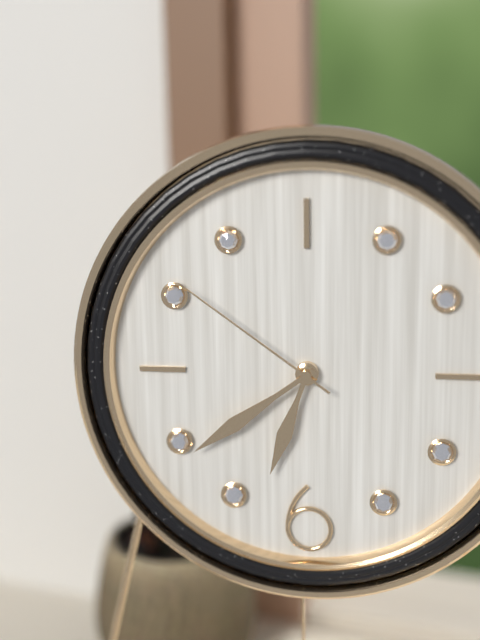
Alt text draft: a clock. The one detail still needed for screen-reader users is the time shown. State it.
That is 6:39:51
